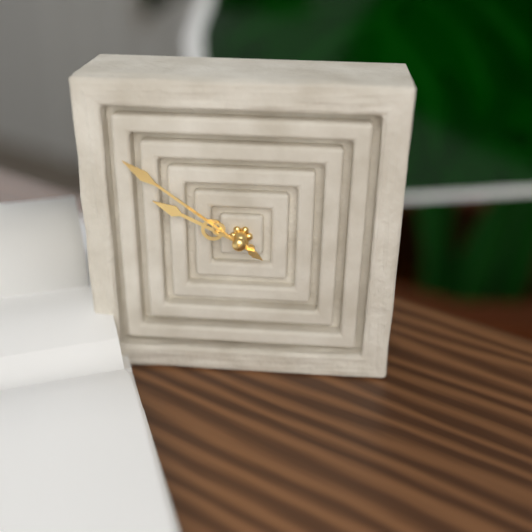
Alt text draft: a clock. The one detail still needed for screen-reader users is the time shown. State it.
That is 9:51:51
